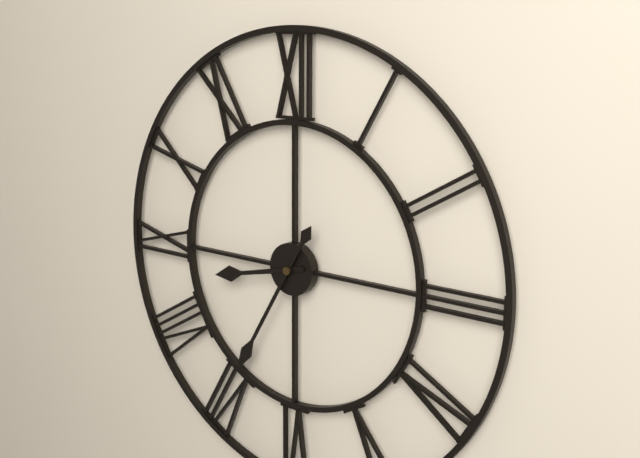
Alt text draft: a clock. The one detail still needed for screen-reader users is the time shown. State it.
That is 8:35
